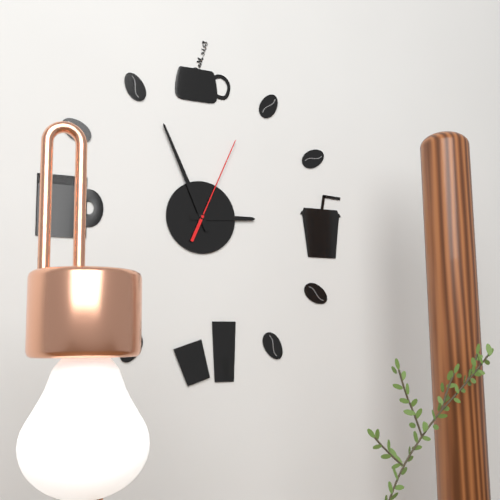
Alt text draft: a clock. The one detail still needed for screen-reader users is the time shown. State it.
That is 2:56:04
